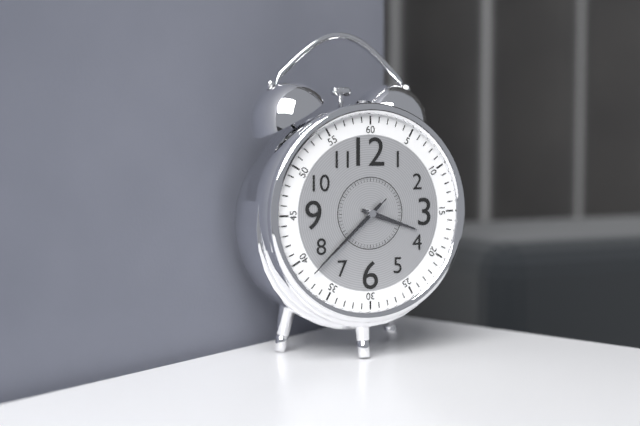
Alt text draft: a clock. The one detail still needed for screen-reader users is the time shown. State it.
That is 3:38:38
